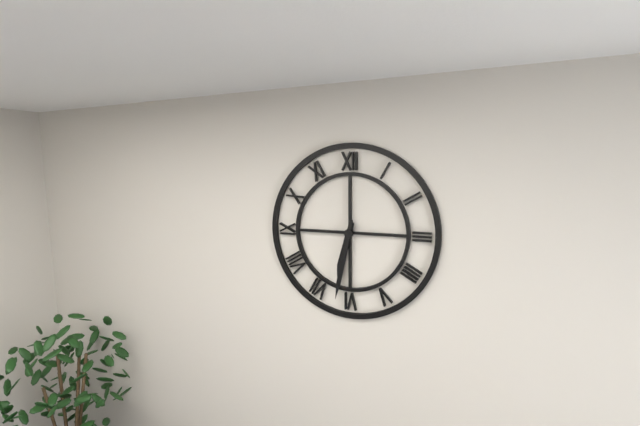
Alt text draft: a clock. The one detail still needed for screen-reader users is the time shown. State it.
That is 6:32
